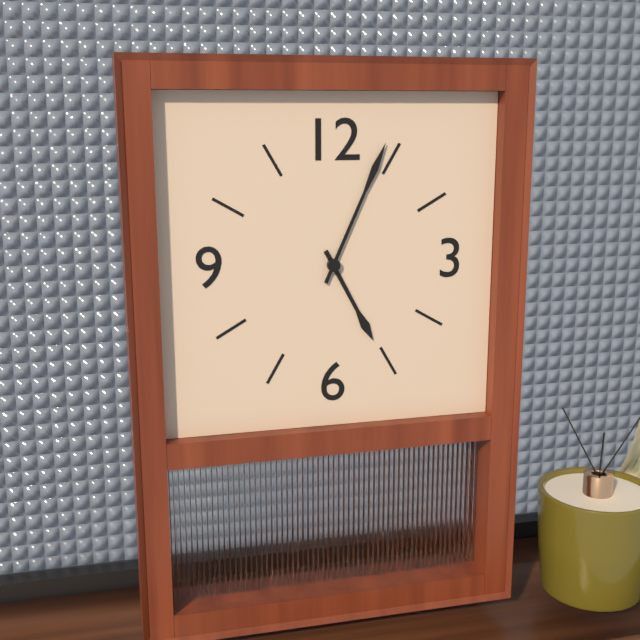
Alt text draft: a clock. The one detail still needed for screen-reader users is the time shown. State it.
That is 5:04
